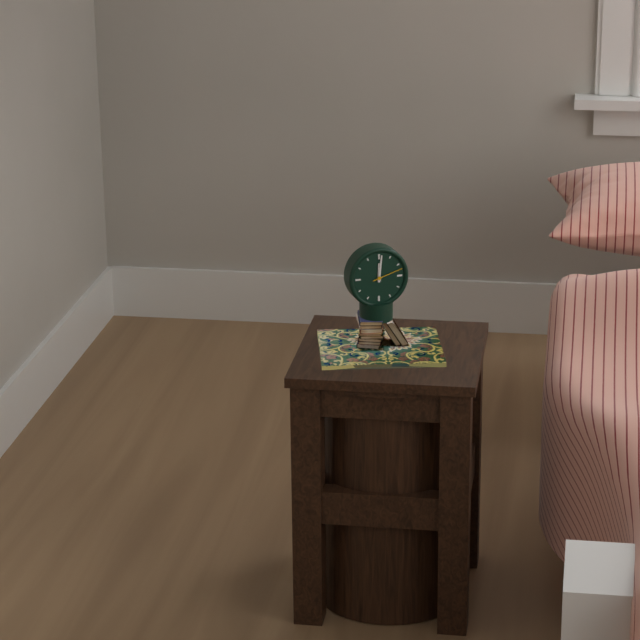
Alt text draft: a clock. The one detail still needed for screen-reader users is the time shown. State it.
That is 12:01
